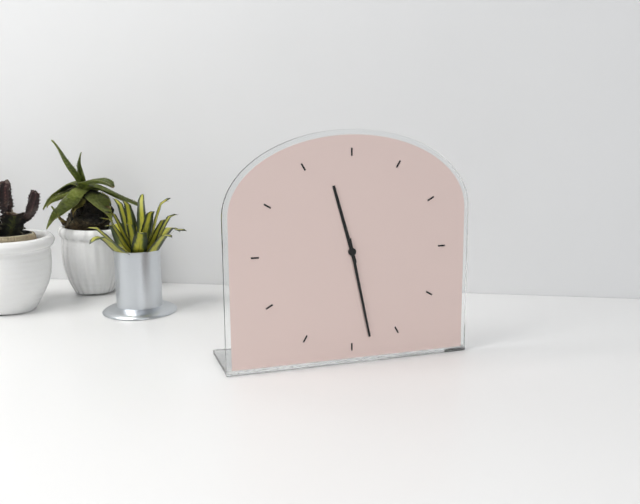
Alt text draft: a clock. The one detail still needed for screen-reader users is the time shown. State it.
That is 11:28
